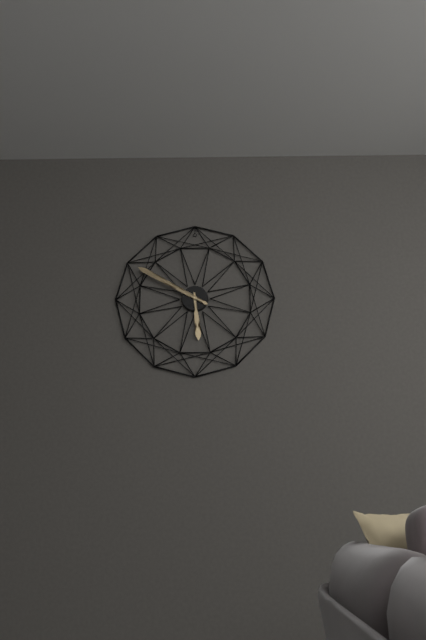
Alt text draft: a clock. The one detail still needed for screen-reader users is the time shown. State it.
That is 5:50
